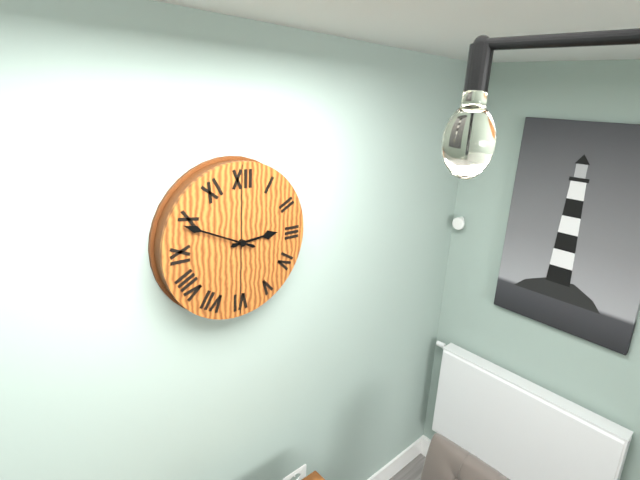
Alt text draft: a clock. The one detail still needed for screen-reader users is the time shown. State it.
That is 2:49
